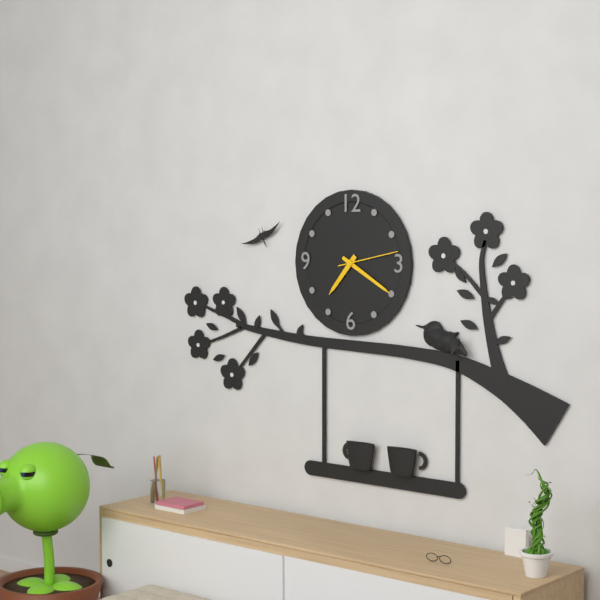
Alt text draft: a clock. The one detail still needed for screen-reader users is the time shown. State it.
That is 7:20:13
